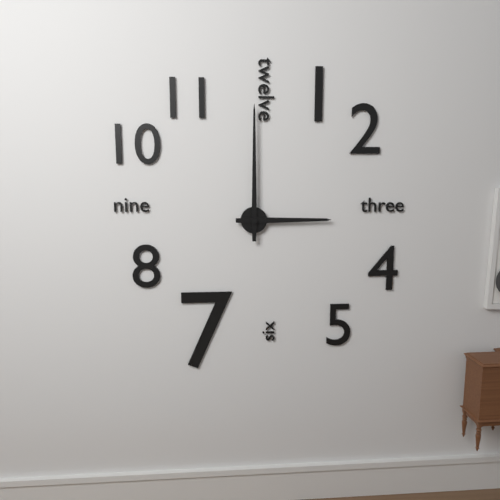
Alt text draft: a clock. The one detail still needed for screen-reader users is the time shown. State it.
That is 3:00
